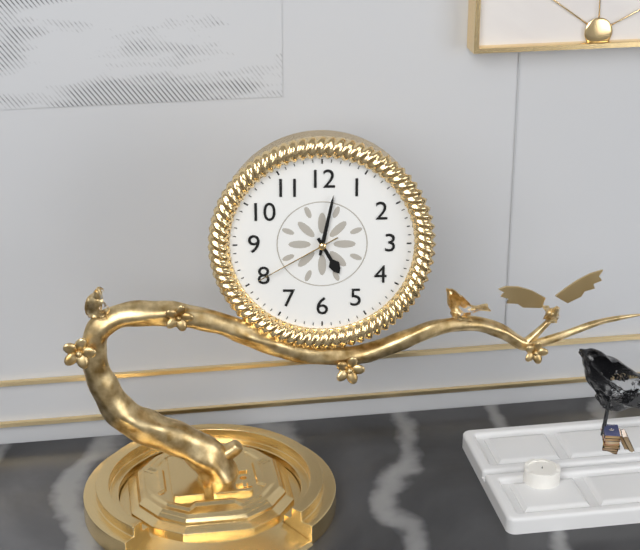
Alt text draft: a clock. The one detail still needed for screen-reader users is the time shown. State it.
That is 5:02:40
